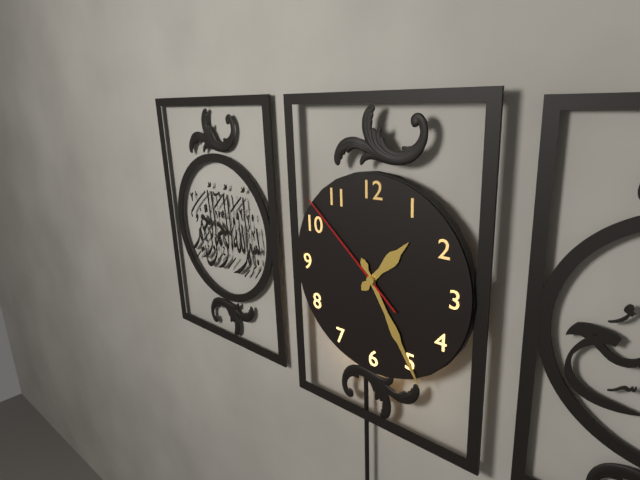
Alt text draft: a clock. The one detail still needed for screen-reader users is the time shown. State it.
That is 1:25:52
